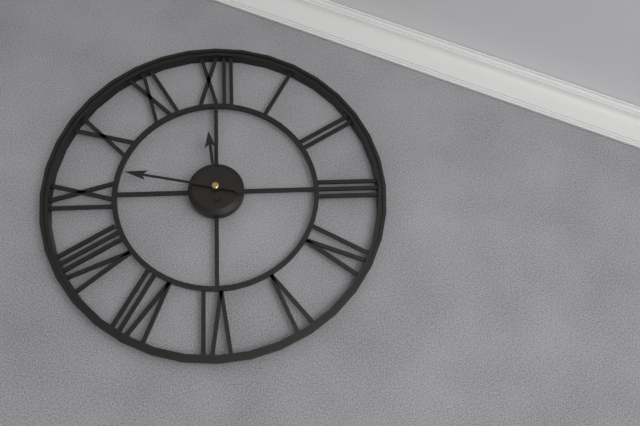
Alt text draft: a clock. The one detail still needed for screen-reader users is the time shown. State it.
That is 11:47
